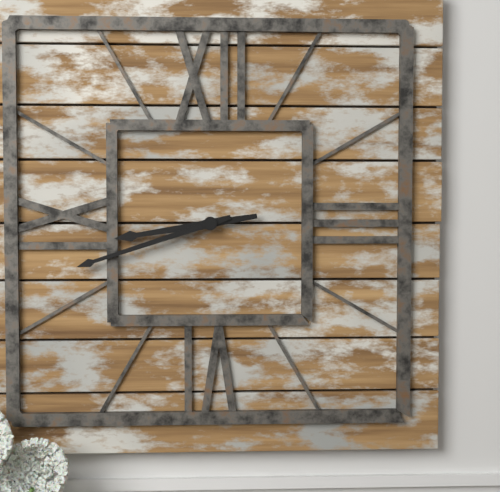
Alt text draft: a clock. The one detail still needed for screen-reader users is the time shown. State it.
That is 8:42
